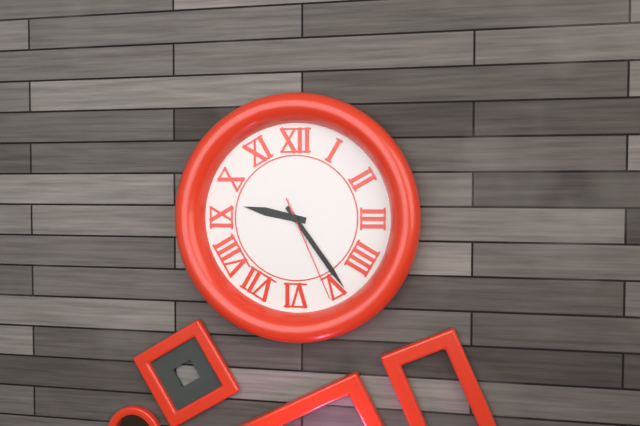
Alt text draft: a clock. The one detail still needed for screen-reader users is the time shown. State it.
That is 9:24:26
